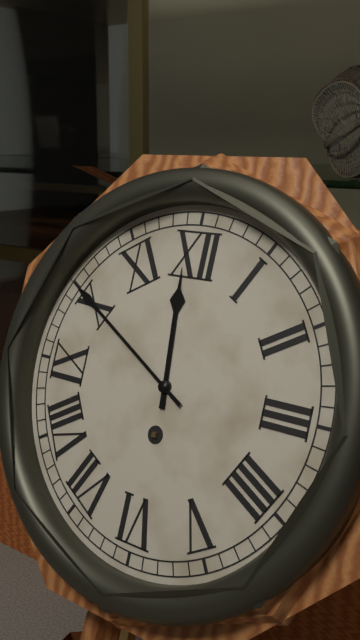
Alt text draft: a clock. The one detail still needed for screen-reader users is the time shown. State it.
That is 11:50
